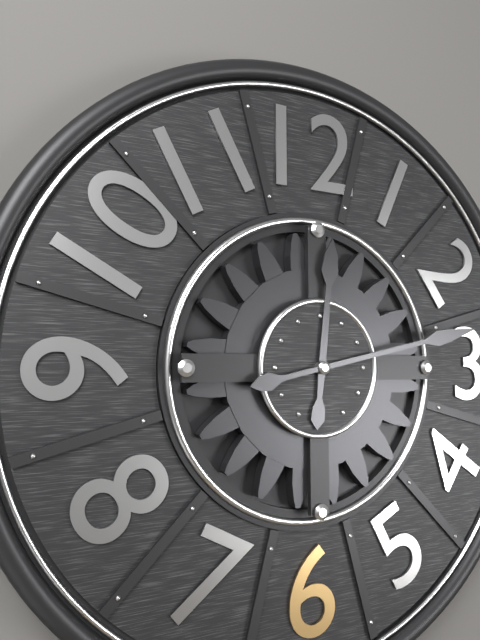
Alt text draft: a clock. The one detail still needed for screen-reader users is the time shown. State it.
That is 12:13
